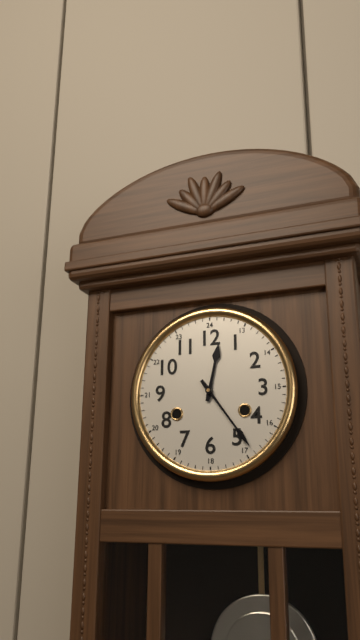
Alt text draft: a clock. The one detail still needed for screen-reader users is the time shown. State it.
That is 12:24
